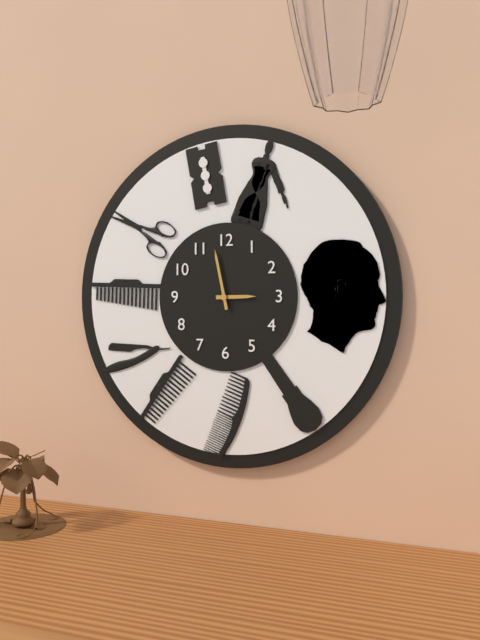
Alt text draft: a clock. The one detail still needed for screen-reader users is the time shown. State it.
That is 2:58
